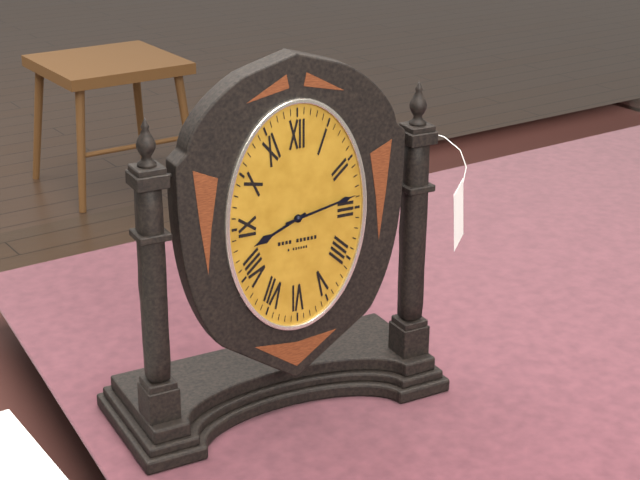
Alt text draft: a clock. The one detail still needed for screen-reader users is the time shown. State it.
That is 8:13
